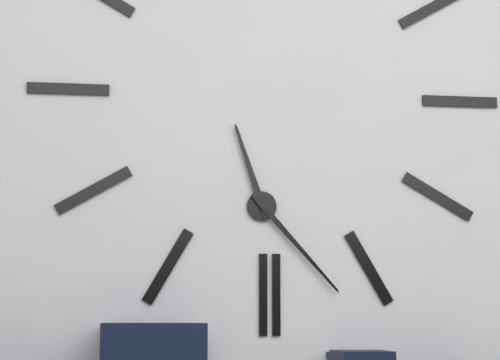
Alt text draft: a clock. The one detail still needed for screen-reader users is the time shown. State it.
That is 11:23
